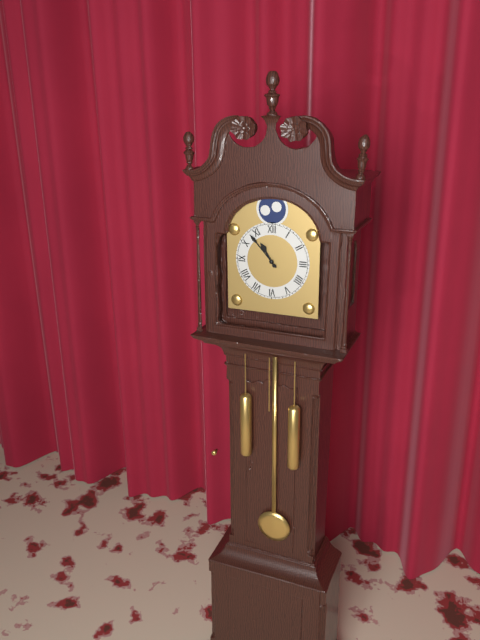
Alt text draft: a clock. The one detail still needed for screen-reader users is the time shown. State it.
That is 10:53
